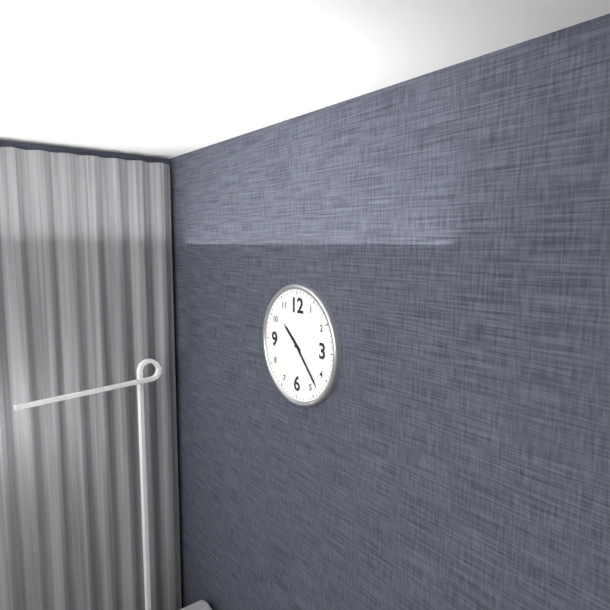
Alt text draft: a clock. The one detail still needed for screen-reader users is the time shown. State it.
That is 10:23
